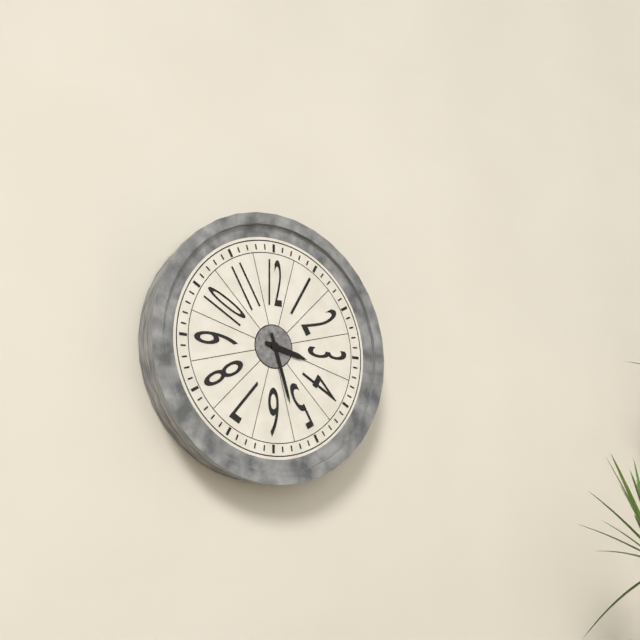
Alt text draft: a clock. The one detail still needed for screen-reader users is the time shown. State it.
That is 3:27
